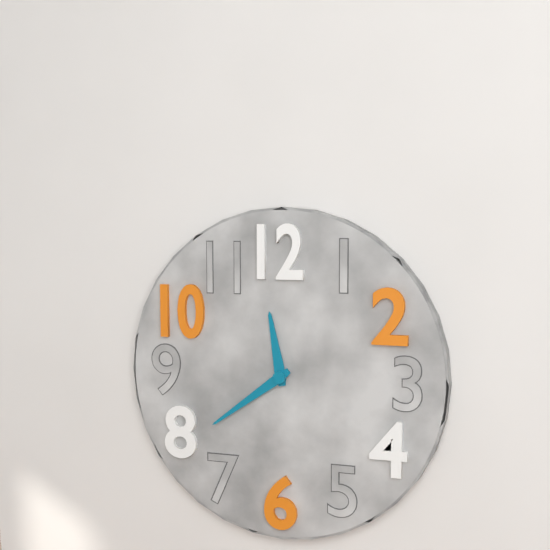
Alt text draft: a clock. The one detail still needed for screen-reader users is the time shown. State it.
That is 11:39
